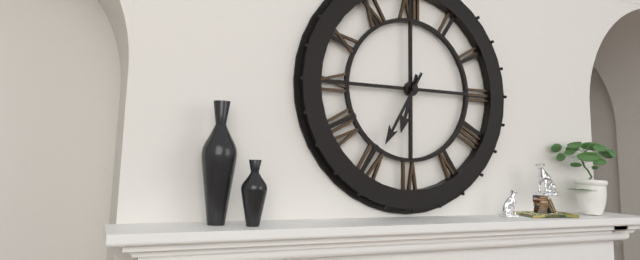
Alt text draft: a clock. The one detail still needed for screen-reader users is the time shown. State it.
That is 6:35
